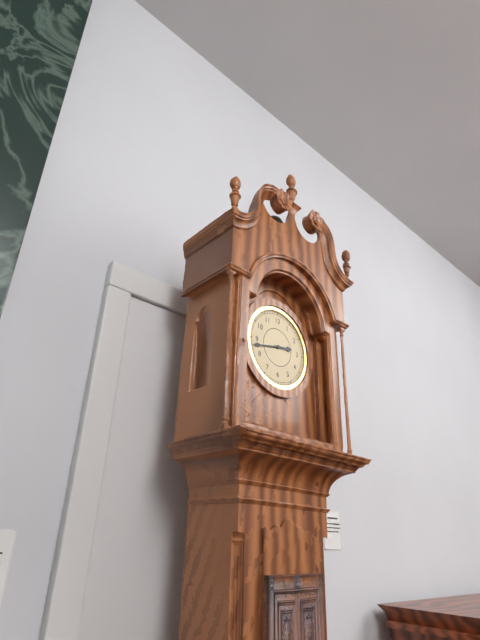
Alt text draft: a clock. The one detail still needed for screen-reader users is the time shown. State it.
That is 2:43
